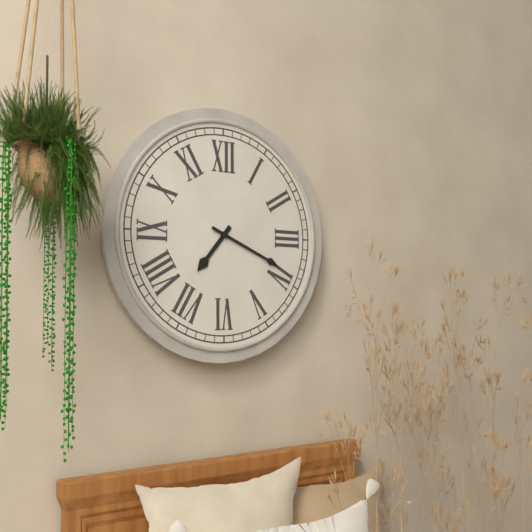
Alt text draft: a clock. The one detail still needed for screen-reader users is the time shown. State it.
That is 7:19
